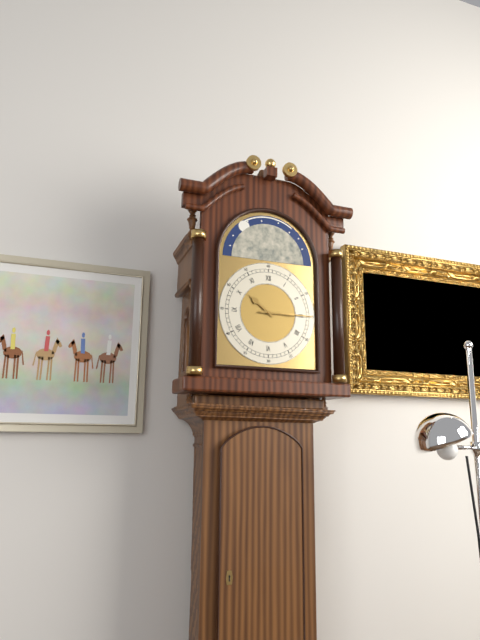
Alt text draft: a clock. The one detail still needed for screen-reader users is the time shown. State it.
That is 10:15
